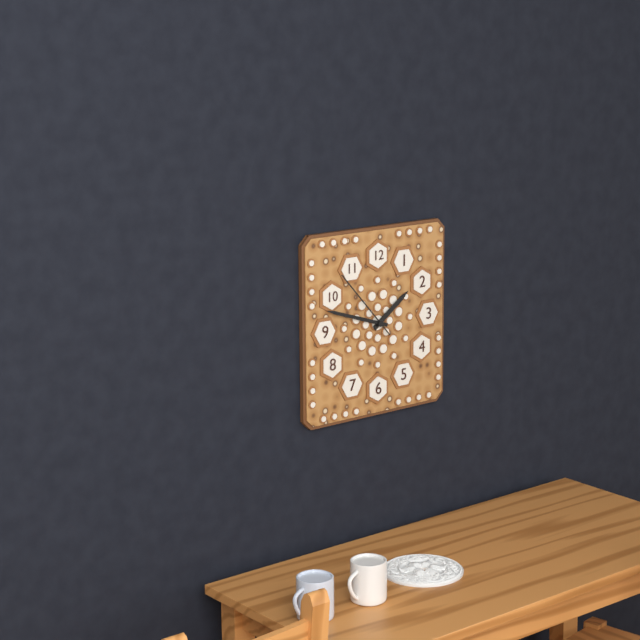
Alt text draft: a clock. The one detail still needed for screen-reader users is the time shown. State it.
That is 1:48:53
